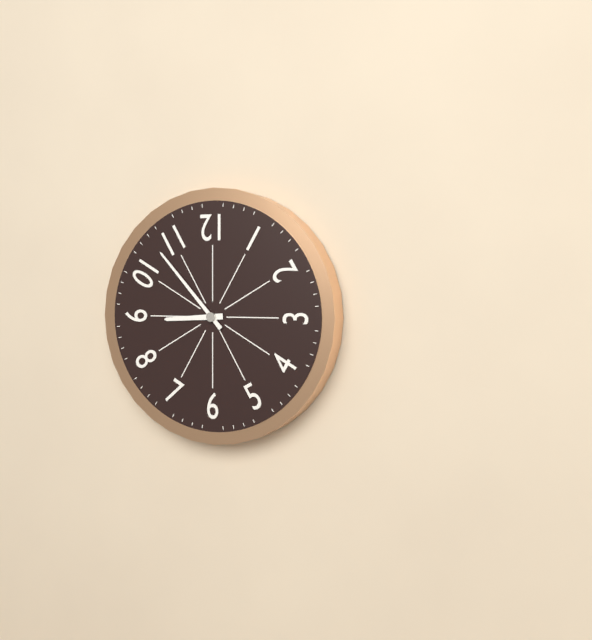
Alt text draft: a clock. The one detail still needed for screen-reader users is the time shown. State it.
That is 8:53
